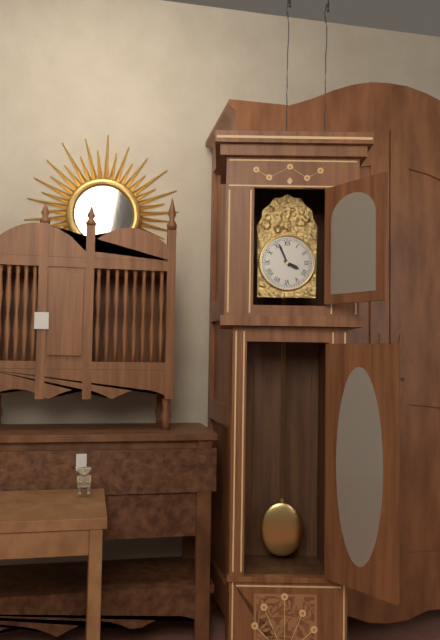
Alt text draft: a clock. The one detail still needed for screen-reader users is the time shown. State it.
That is 3:56
